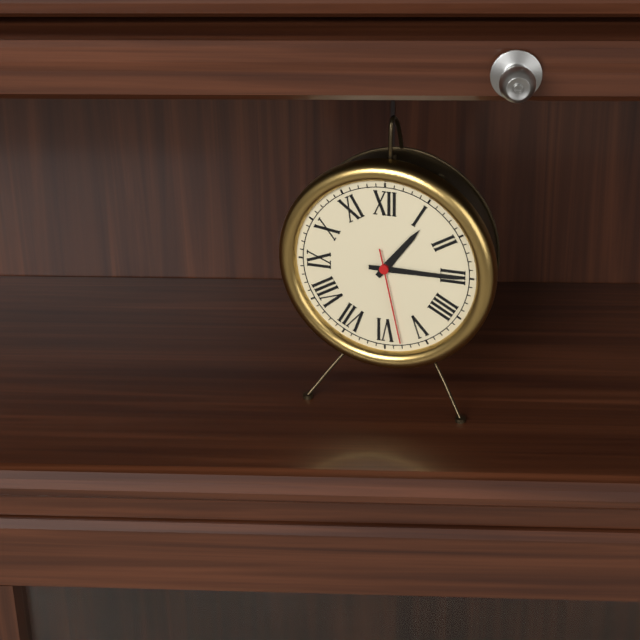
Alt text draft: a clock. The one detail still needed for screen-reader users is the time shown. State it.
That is 1:15:28
